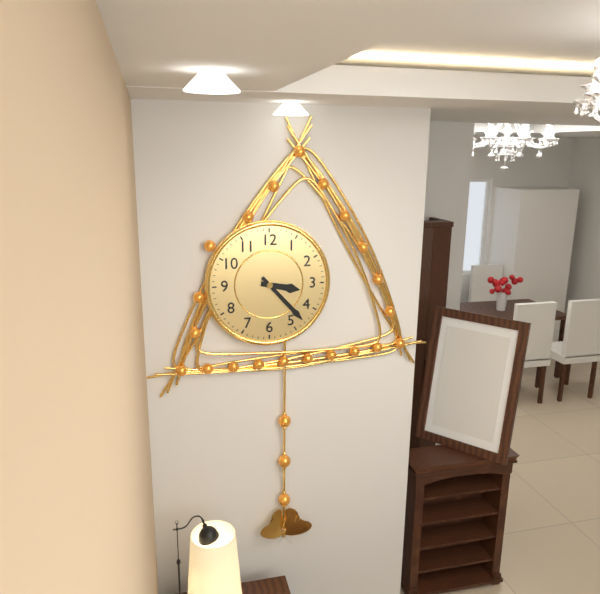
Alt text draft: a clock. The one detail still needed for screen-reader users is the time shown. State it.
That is 3:23
